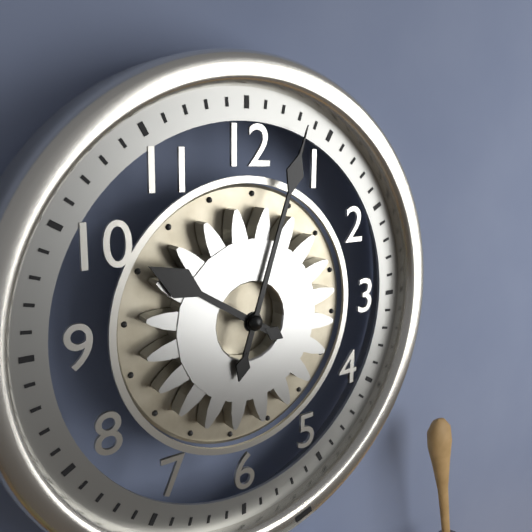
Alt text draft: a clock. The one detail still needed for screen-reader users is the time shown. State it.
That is 10:03
